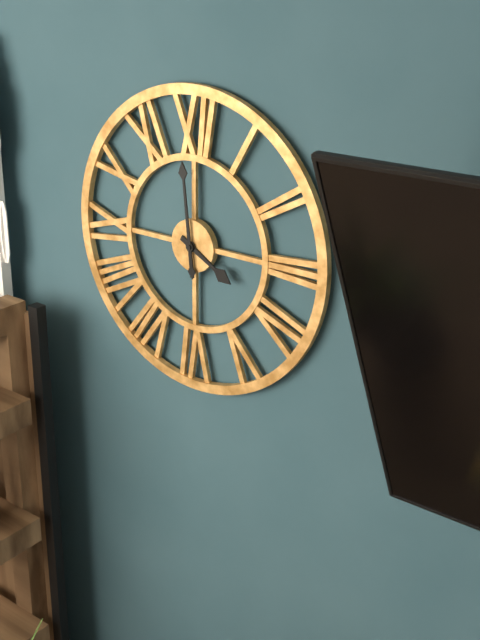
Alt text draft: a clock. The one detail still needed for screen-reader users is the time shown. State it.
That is 3:59
